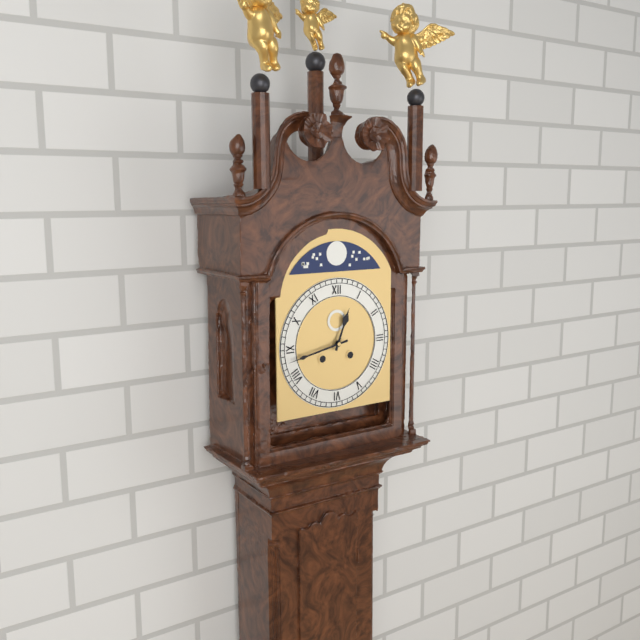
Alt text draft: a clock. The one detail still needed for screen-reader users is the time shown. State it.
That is 12:43
